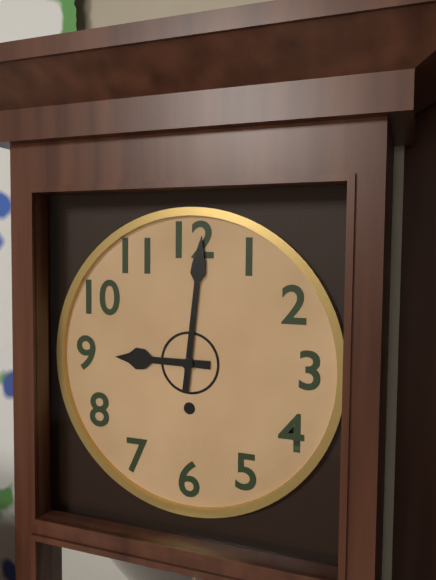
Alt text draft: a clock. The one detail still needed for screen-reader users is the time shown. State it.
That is 9:01
